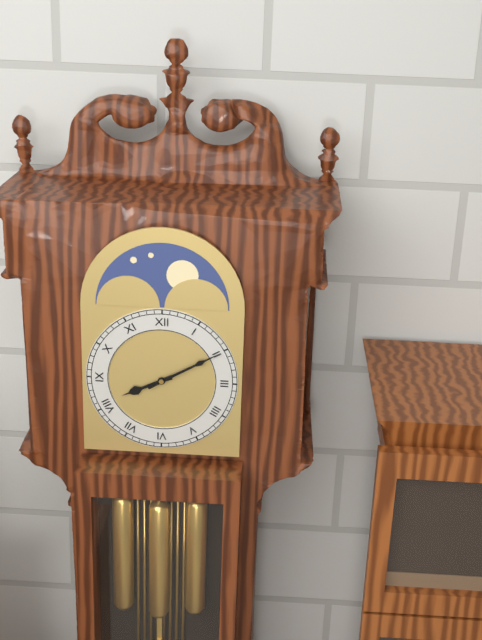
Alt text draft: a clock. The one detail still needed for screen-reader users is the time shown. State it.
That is 8:10
